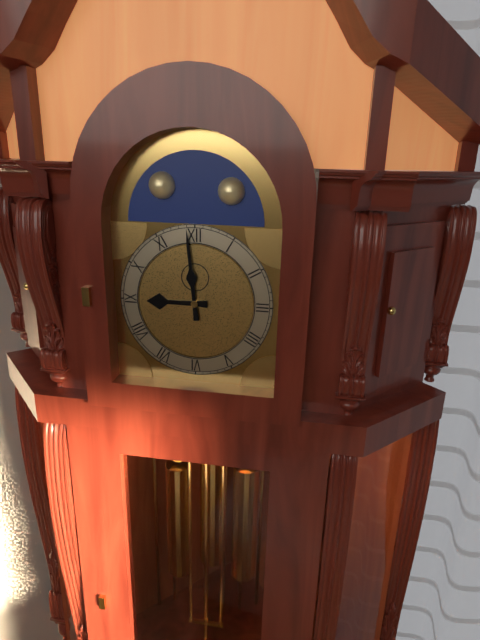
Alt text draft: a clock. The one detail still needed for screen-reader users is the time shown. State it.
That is 8:59
